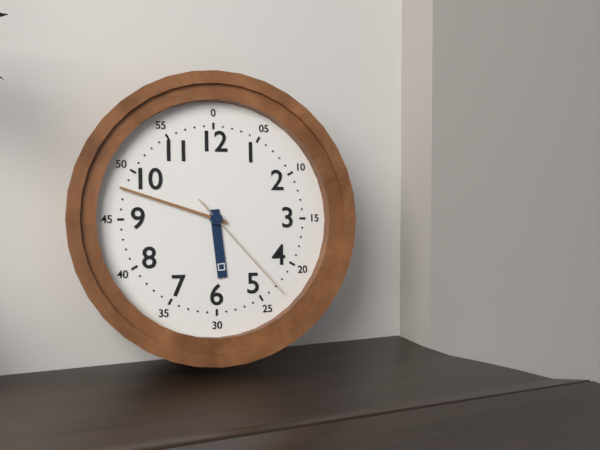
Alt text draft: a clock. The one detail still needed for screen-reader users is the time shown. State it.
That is 5:48:23
